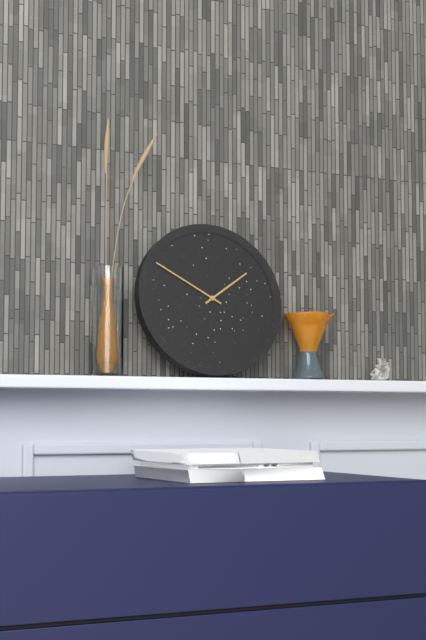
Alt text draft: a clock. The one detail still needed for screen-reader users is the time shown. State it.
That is 1:50
